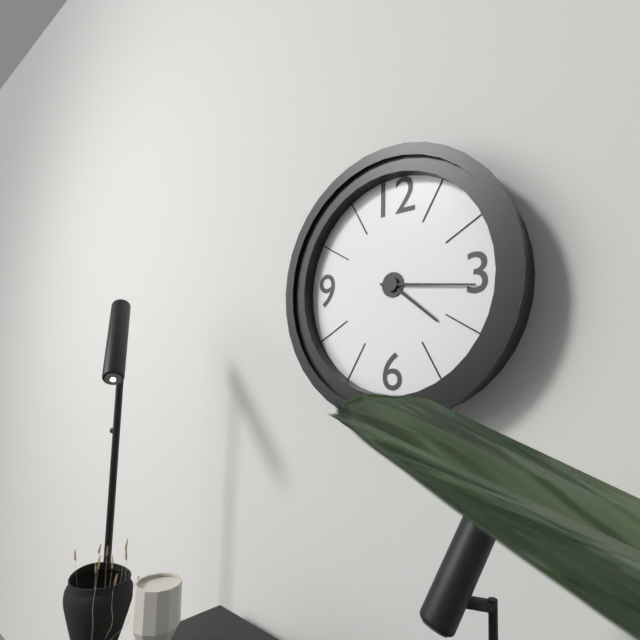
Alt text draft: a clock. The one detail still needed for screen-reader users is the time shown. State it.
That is 4:16
